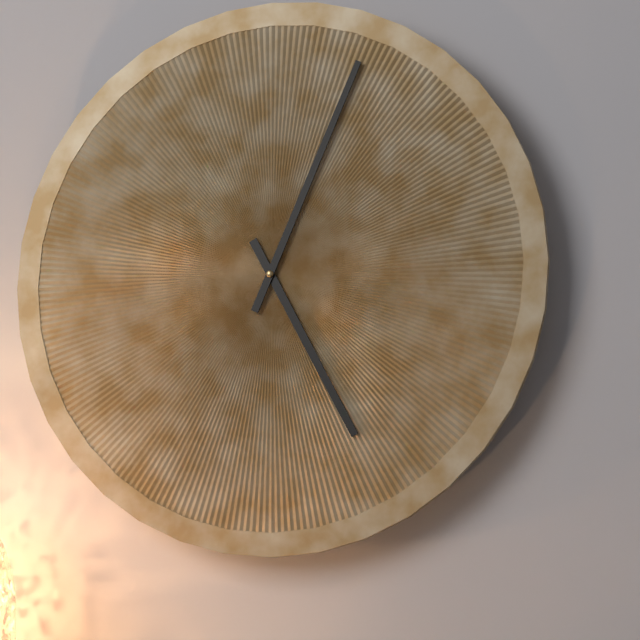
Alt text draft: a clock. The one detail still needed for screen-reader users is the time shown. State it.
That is 5:04
